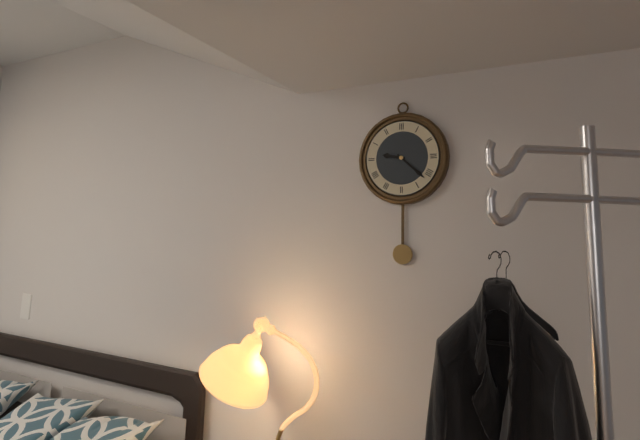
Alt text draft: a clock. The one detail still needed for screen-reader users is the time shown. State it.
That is 9:22
